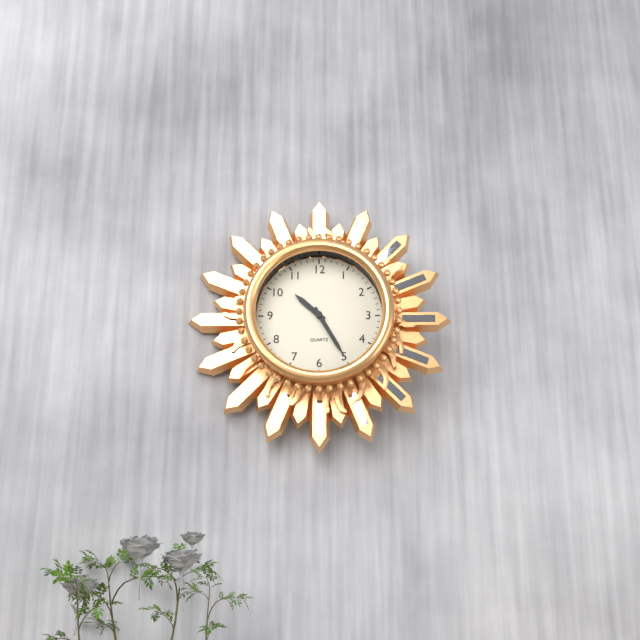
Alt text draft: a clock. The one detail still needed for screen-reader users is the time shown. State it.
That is 10:25
